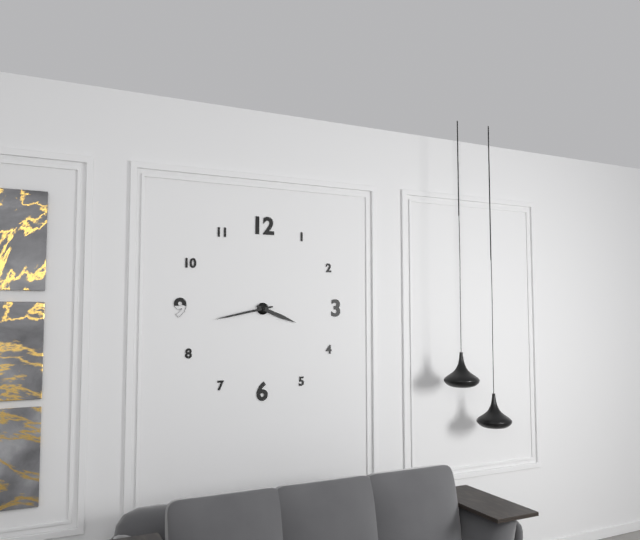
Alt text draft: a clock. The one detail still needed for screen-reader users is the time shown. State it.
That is 3:43
